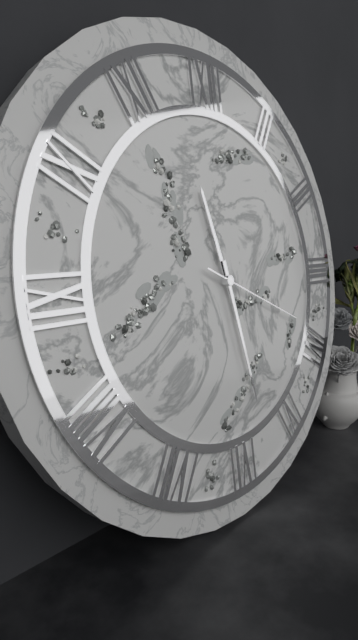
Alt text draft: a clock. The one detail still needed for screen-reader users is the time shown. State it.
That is 11:28:19
